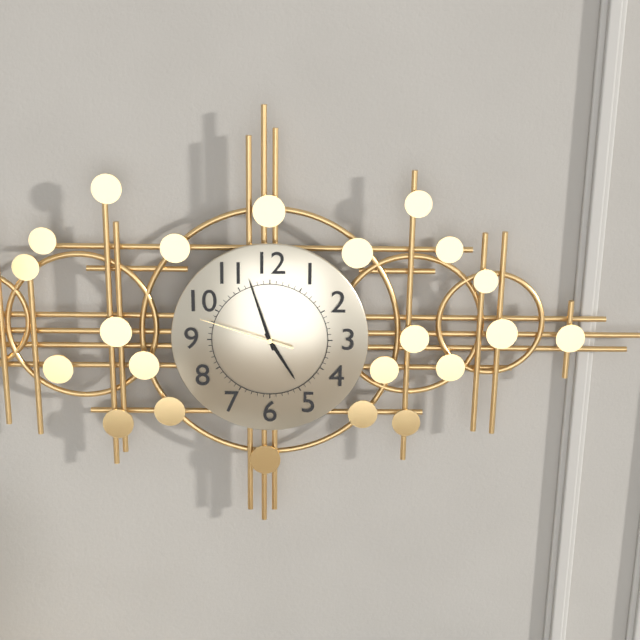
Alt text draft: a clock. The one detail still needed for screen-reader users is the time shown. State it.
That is 4:57:48
